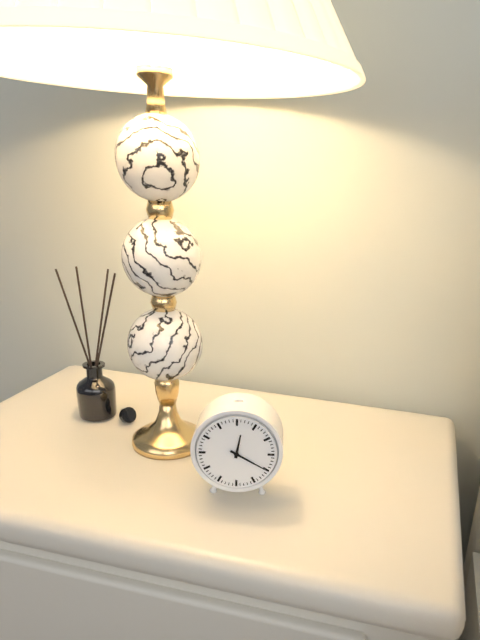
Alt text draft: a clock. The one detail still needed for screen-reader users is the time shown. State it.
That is 12:20
